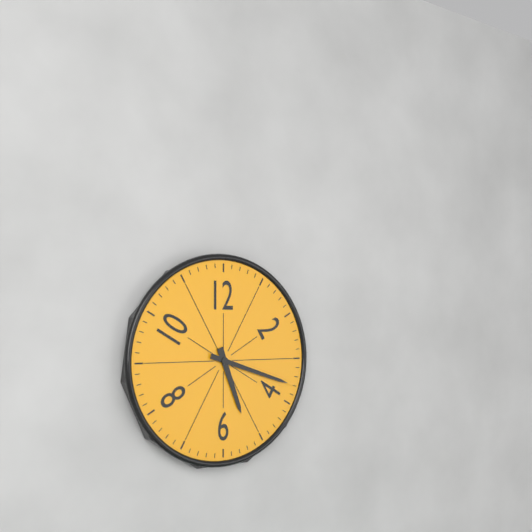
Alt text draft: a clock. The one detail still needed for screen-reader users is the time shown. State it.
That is 5:18
